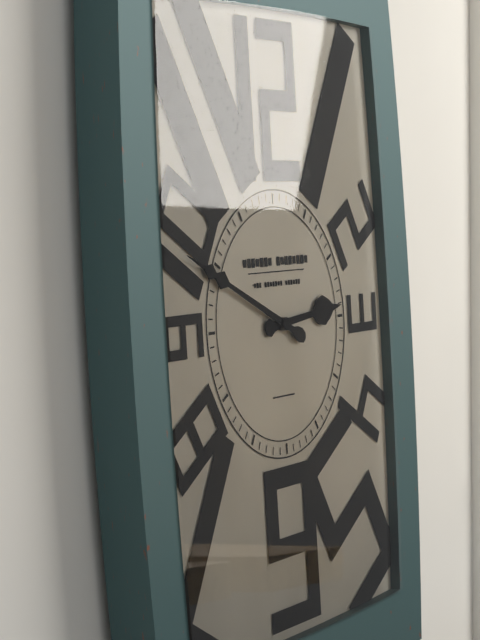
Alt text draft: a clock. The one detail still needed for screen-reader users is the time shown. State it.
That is 2:49
